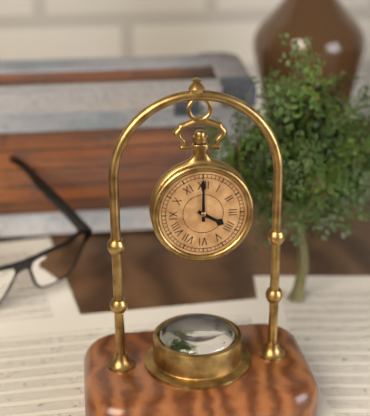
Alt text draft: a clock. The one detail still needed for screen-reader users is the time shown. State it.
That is 4:00
